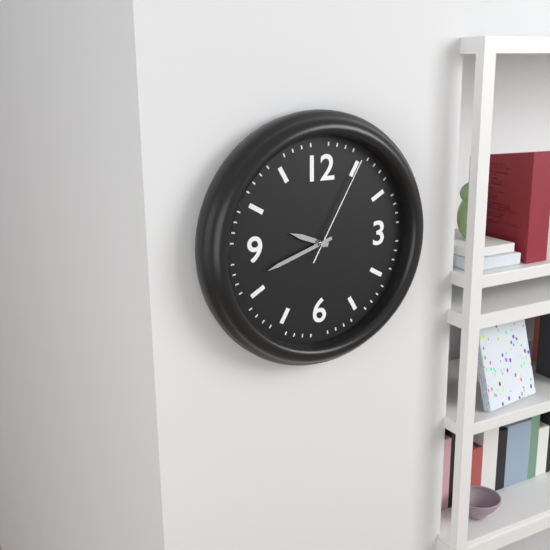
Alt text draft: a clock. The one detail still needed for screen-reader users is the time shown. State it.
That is 9:42:05
